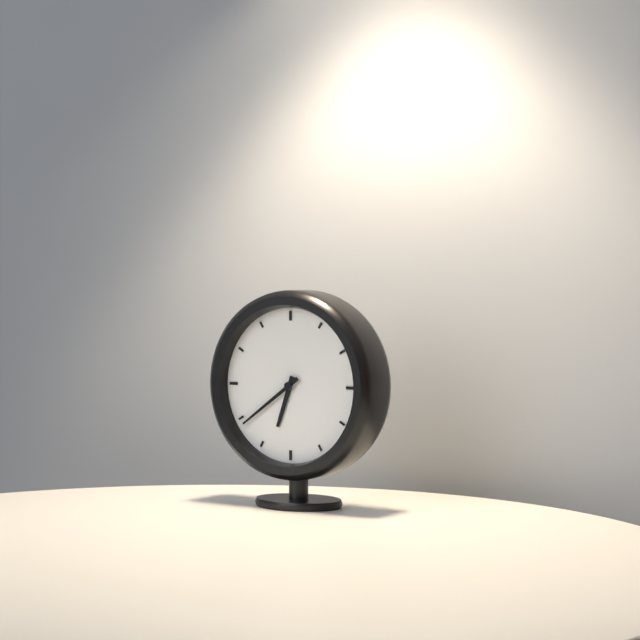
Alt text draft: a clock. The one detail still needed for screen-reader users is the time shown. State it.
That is 6:39
